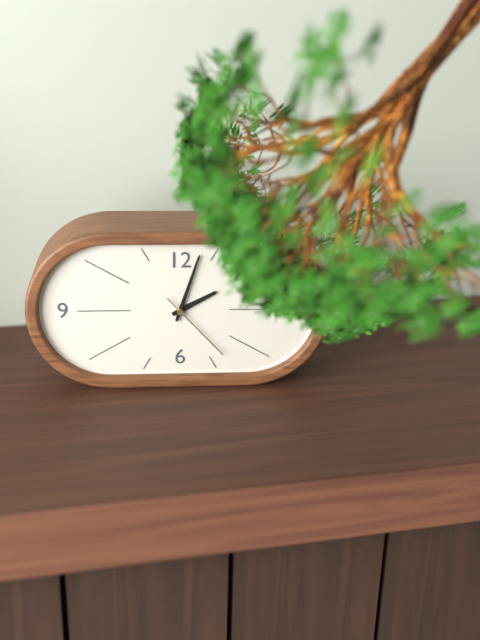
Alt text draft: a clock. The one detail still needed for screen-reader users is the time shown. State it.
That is 2:03:23
